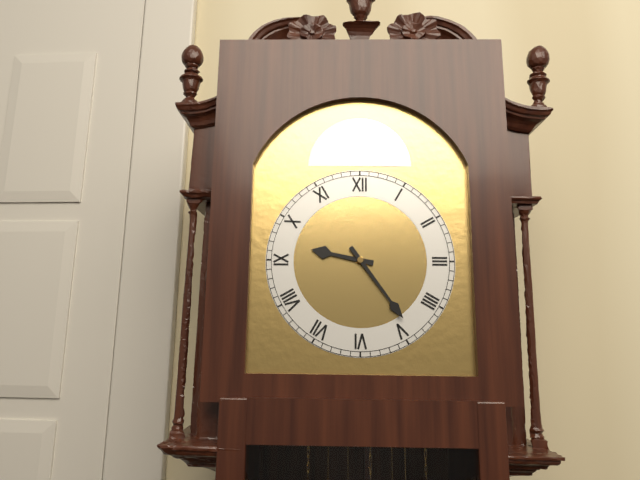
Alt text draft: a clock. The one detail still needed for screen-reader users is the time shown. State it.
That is 9:24
